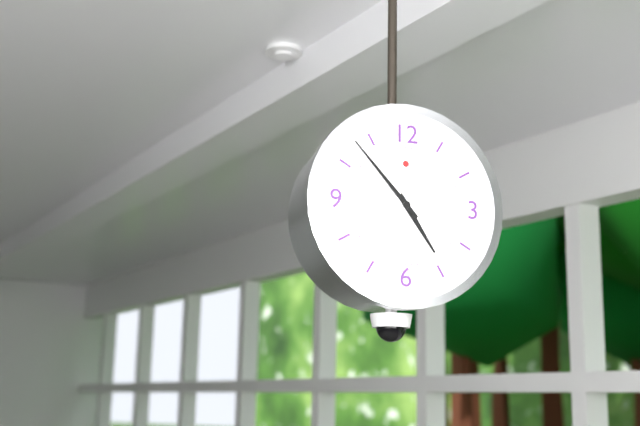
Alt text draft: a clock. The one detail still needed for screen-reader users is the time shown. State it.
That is 4:53
